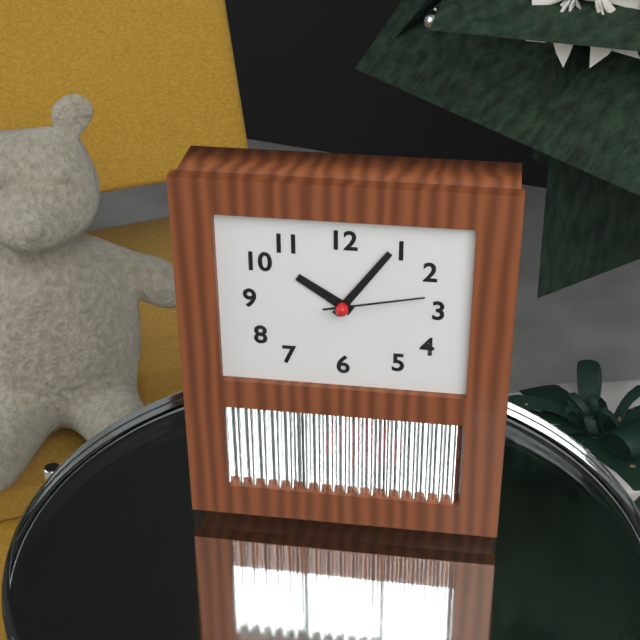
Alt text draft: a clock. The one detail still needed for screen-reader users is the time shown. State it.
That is 10:06:13
